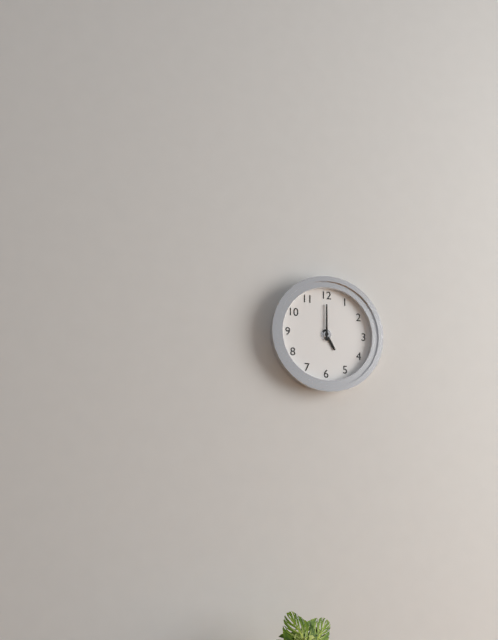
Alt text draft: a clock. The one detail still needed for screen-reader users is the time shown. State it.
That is 5:00
